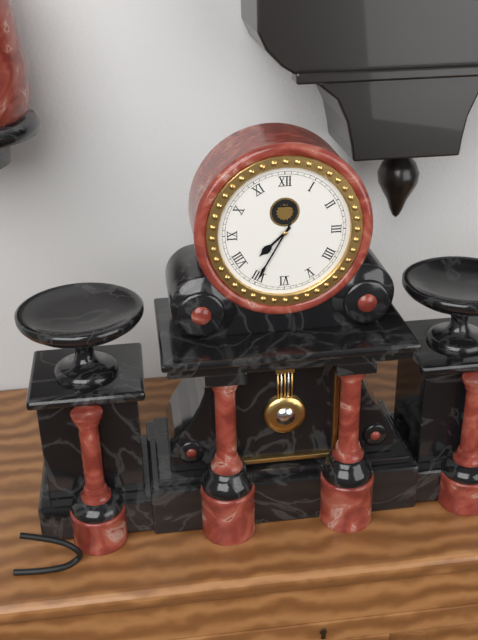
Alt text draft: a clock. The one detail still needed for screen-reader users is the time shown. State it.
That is 7:35
